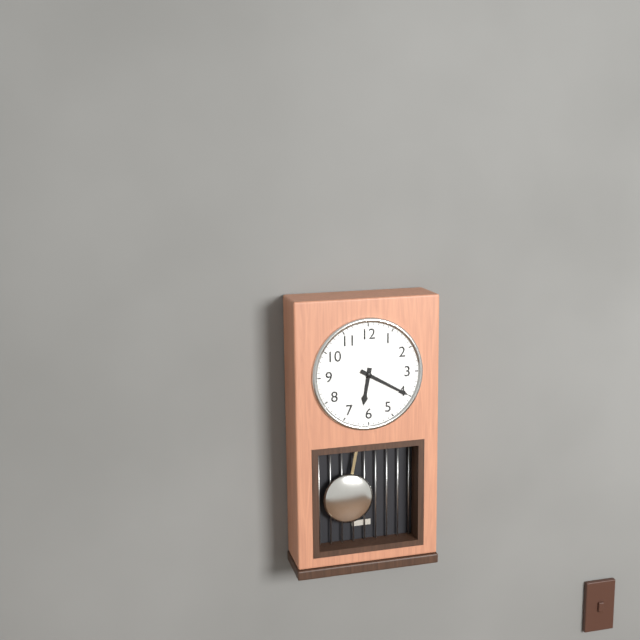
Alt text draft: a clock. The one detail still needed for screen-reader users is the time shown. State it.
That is 6:20
